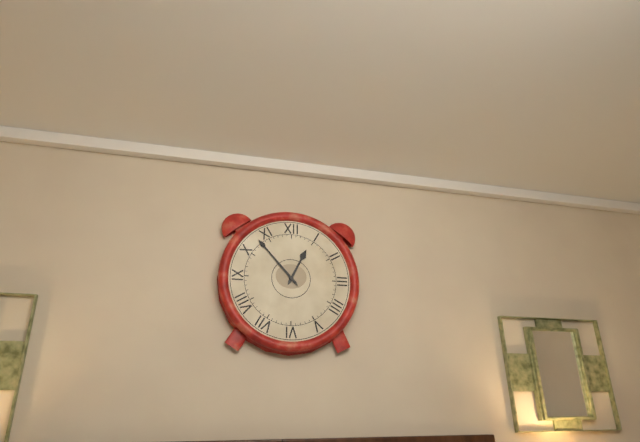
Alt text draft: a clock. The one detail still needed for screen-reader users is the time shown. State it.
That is 12:53
